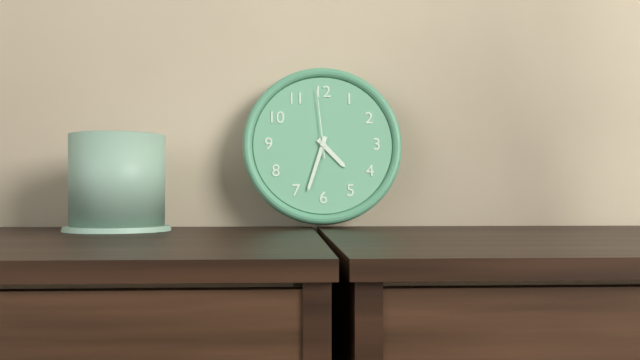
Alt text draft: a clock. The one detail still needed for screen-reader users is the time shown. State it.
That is 4:33:59
